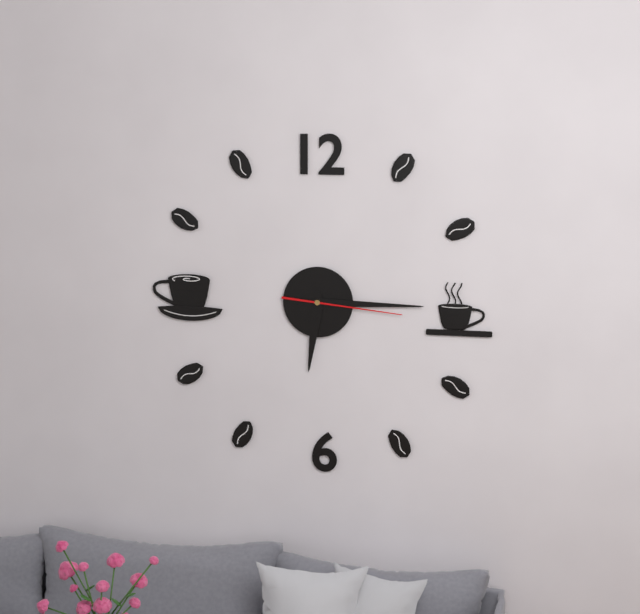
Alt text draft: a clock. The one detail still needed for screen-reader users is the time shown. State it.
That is 6:15:16
